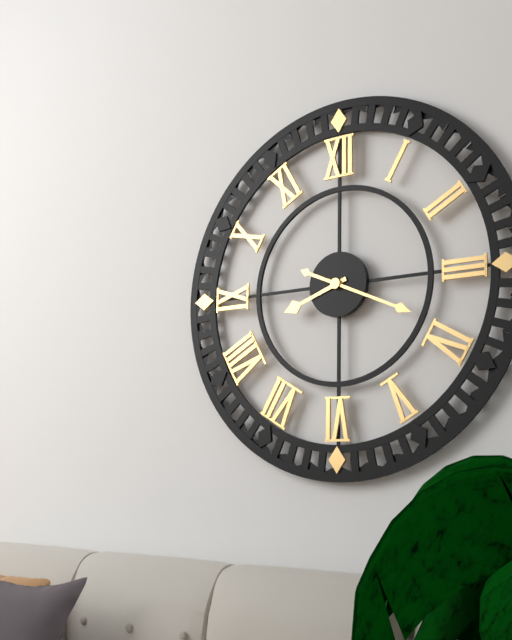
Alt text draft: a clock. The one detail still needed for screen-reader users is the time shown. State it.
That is 8:19
